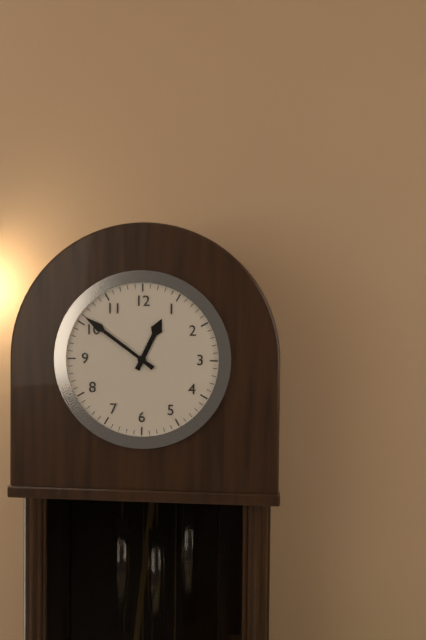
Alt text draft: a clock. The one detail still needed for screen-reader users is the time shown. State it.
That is 12:51
